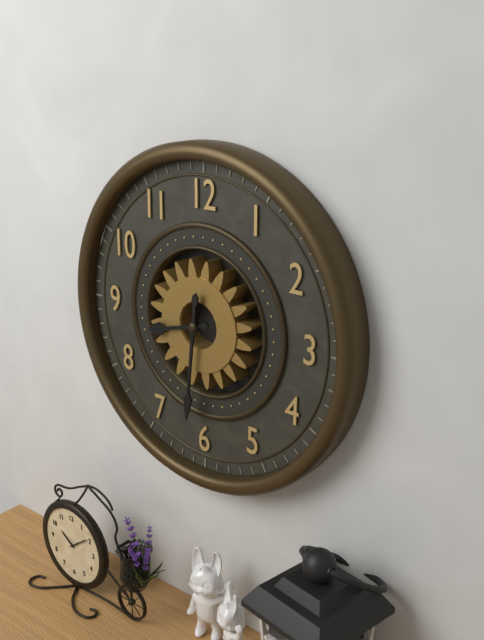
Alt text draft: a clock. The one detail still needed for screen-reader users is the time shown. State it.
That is 8:31
